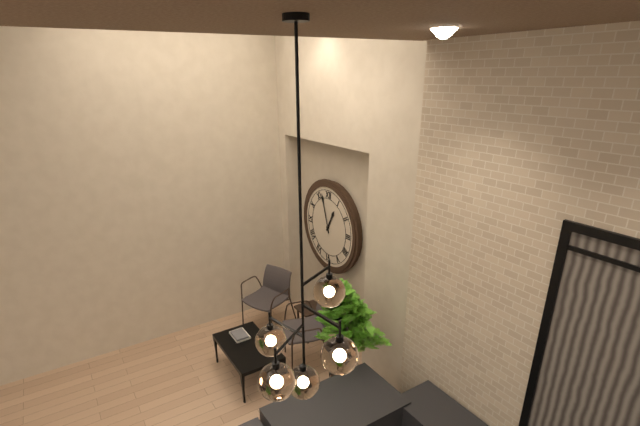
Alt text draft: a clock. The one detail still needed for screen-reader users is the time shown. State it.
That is 12:57
